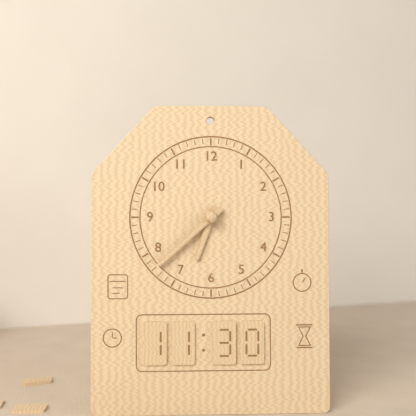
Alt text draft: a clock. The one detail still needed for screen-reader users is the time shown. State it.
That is 6:38
